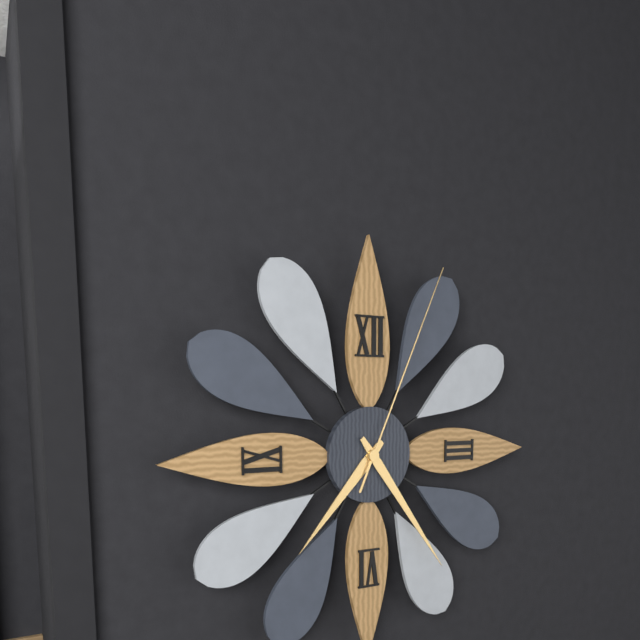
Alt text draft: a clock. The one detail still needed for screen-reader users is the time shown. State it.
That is 7:24:04
